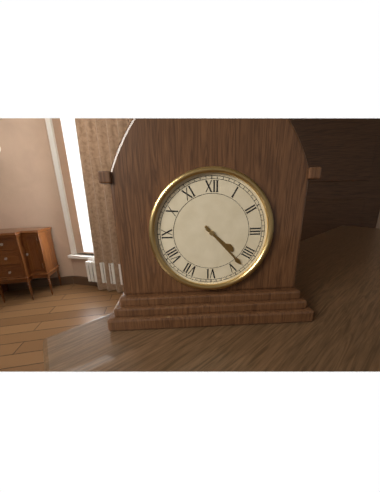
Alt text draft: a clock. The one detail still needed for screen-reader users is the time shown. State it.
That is 4:23
